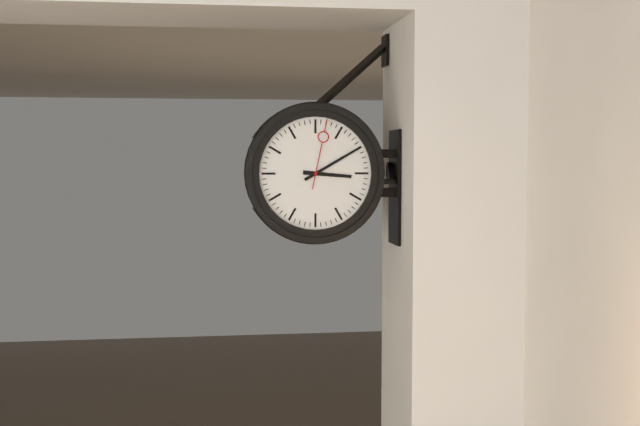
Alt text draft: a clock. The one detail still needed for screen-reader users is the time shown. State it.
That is 3:10:02
